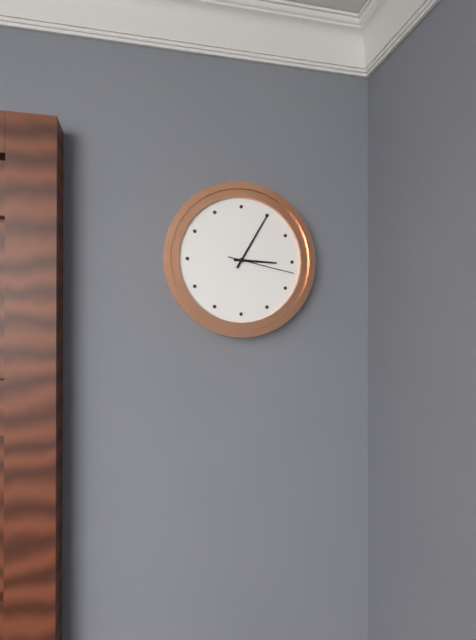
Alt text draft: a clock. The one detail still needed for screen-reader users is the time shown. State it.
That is 3:05:17
